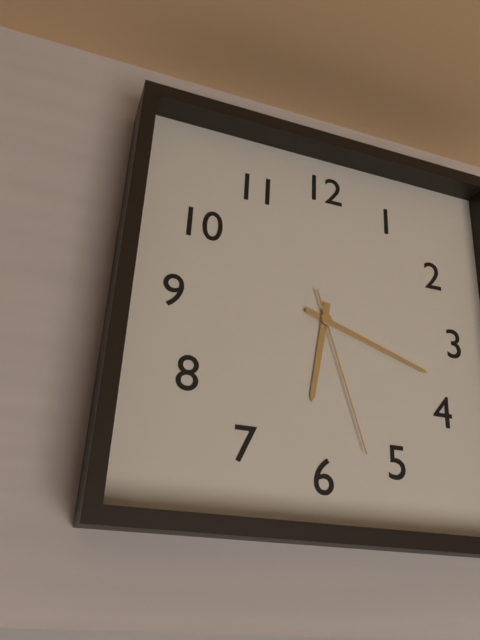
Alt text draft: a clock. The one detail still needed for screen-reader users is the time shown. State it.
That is 6:18:27
